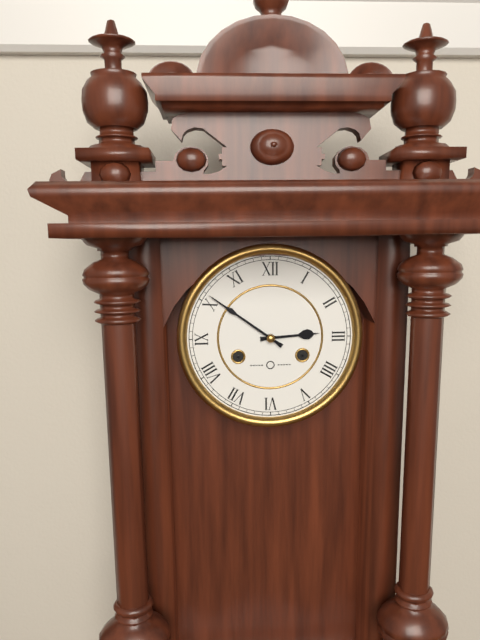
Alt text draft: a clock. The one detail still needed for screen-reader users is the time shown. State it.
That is 2:51
